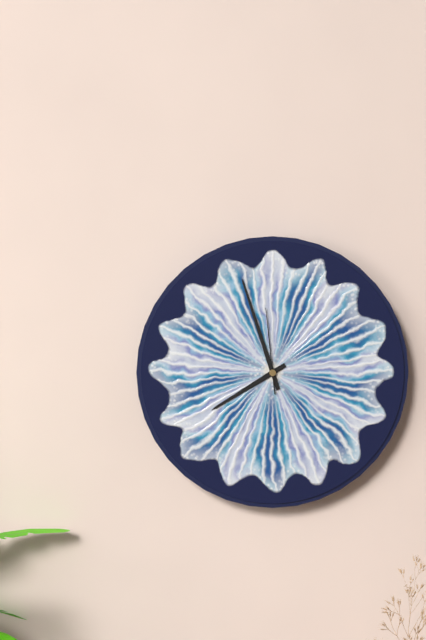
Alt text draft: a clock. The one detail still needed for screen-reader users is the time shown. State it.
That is 7:57:59
